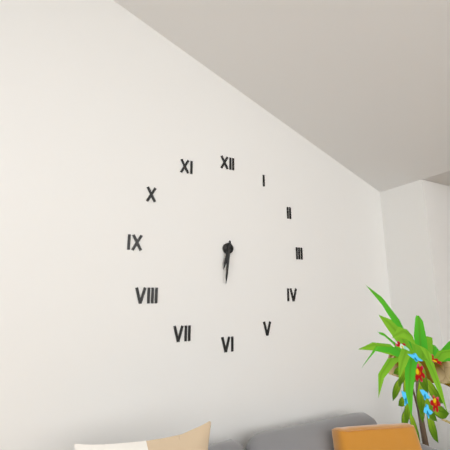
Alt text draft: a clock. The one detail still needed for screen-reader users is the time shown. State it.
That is 6:31
